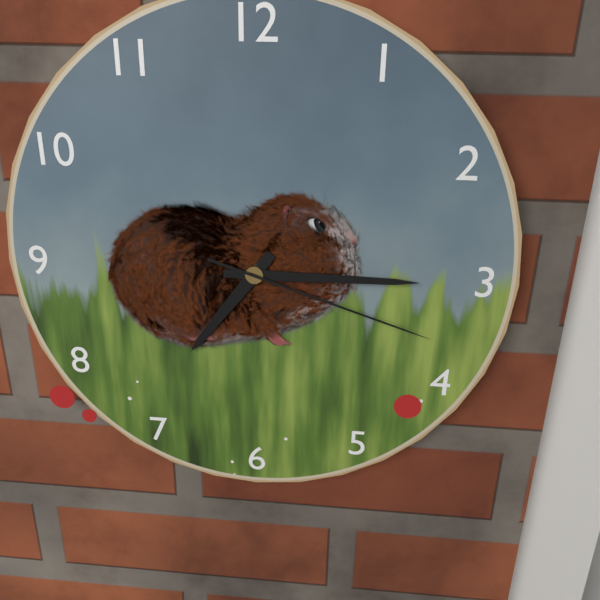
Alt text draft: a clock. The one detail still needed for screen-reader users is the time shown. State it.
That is 7:15:18
